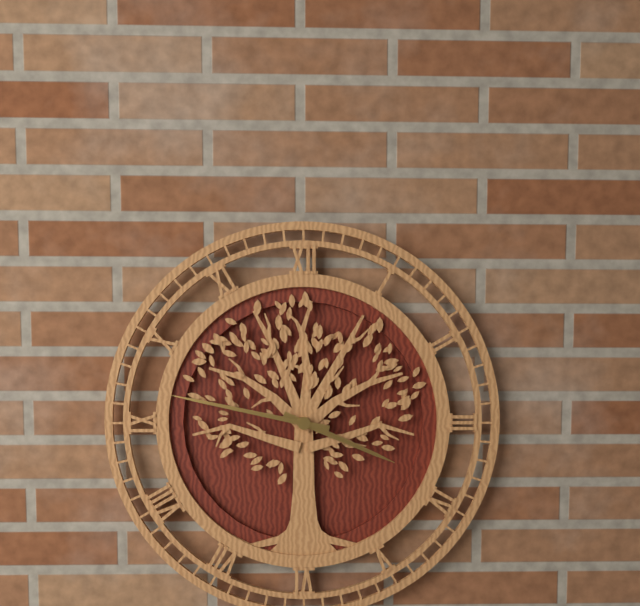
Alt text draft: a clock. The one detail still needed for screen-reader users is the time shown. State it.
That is 3:47
